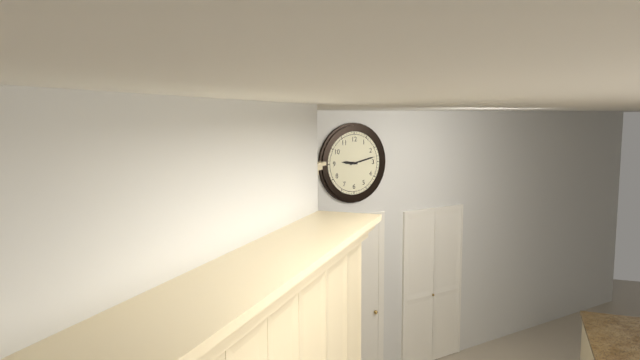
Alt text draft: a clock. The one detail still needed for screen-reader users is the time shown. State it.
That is 9:13
